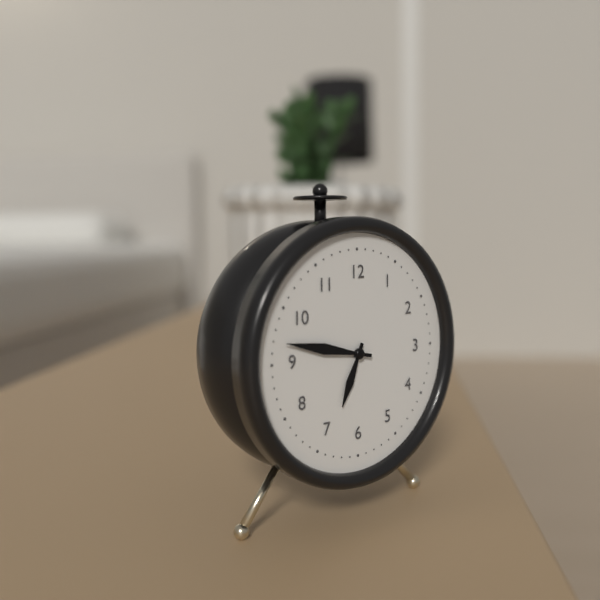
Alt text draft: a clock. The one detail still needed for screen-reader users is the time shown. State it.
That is 6:47
